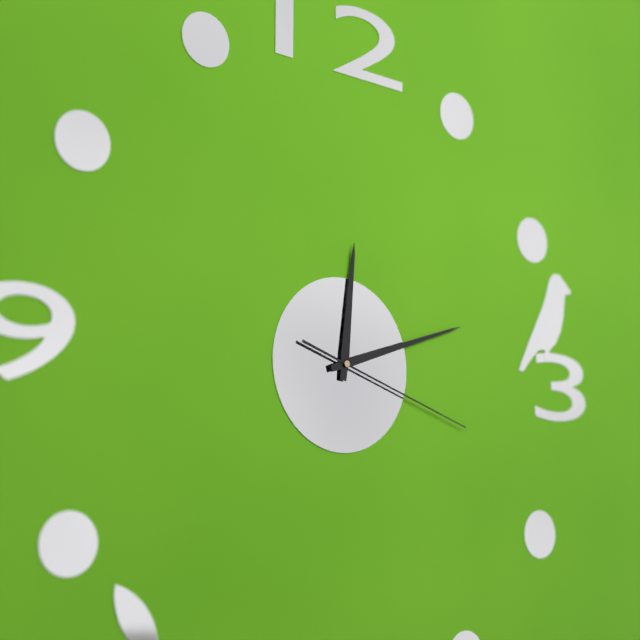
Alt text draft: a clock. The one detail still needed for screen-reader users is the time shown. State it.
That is 12:12:18
